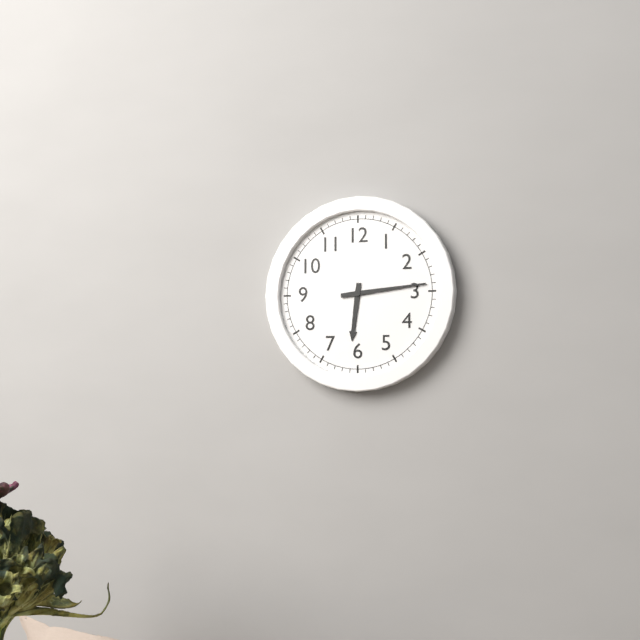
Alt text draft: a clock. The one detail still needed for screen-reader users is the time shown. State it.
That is 6:14
